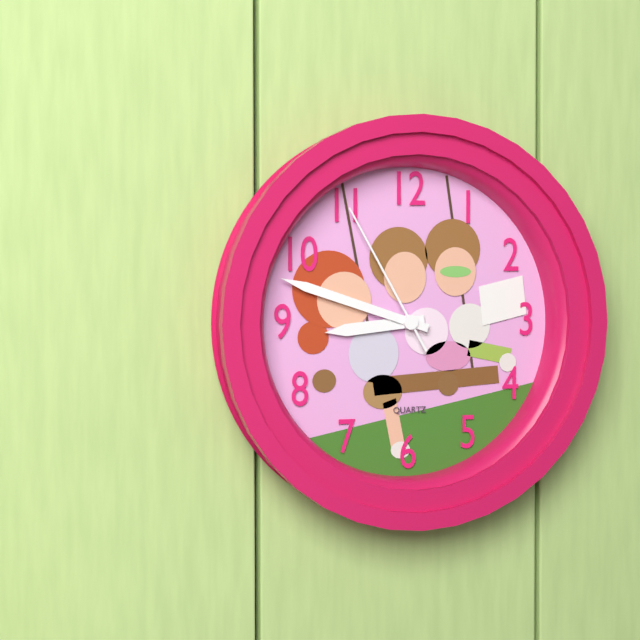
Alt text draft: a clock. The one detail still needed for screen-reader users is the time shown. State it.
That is 8:48:55
